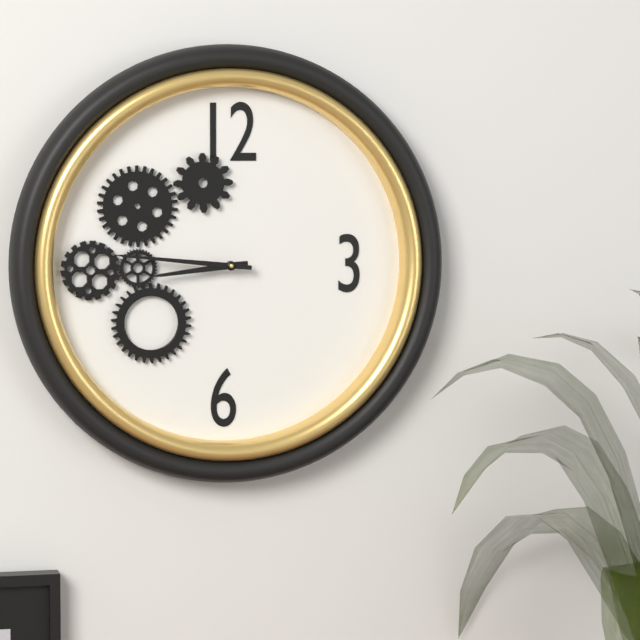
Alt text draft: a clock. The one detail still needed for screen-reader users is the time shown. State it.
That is 8:46
